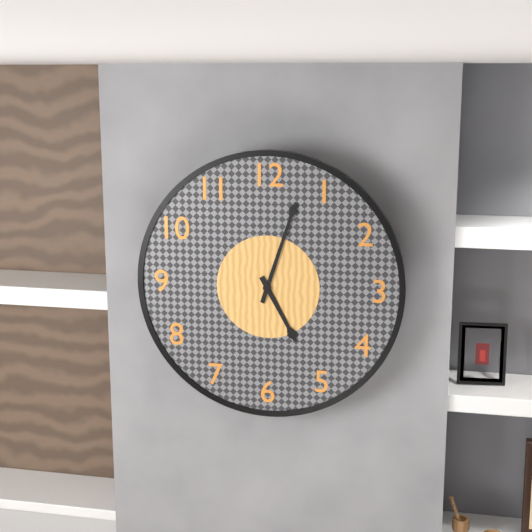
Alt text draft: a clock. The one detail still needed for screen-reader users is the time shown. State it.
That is 5:03
